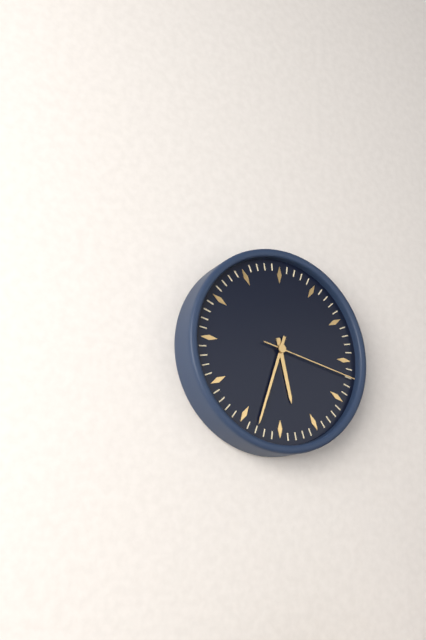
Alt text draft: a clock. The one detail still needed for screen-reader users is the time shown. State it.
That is 5:33:17
